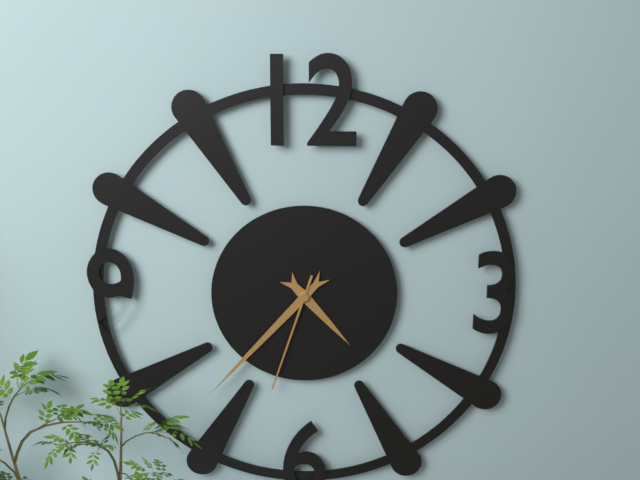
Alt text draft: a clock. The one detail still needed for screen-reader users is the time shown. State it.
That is 4:37:33
